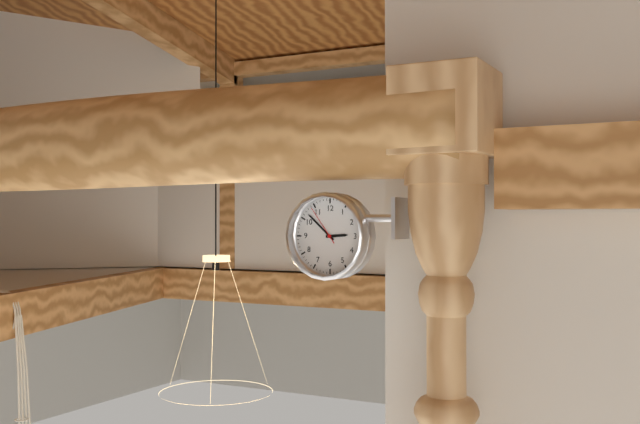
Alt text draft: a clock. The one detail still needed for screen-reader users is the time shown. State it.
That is 2:52
